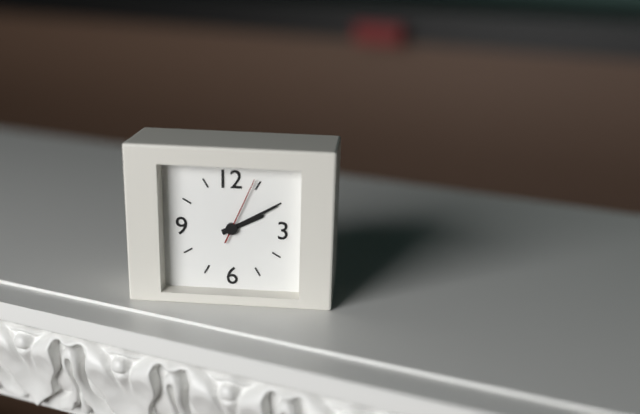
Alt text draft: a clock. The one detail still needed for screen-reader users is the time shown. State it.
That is 2:10:04
